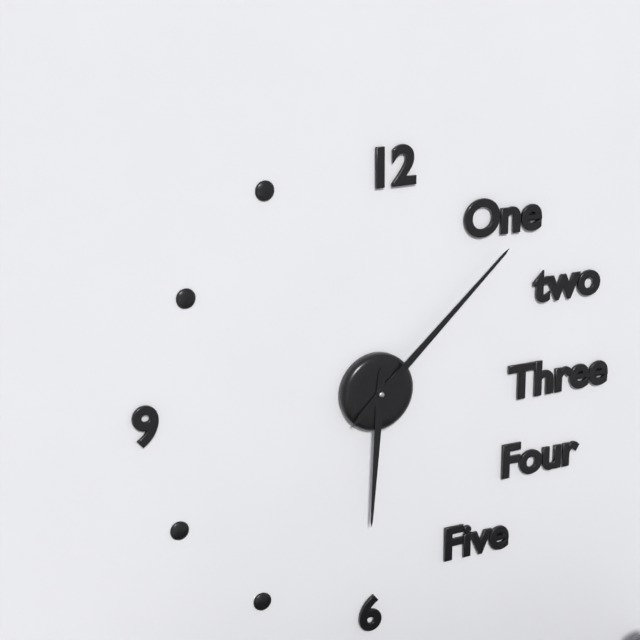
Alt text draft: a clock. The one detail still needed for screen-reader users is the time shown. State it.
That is 6:08
